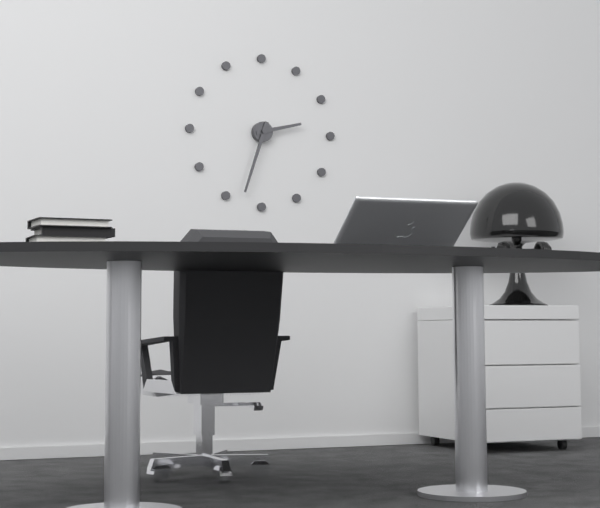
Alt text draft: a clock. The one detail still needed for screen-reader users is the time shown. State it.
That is 2:33
